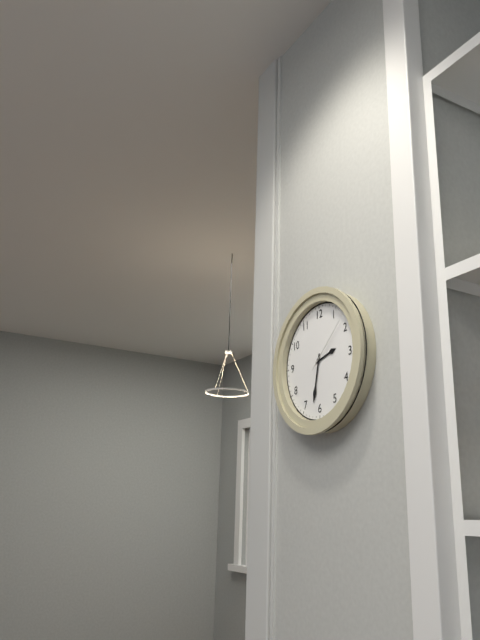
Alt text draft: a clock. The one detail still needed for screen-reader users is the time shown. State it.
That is 2:32:08
